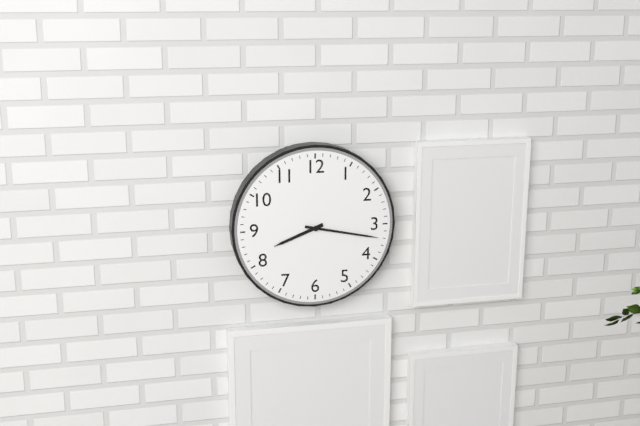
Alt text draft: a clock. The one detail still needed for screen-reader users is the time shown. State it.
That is 8:17
